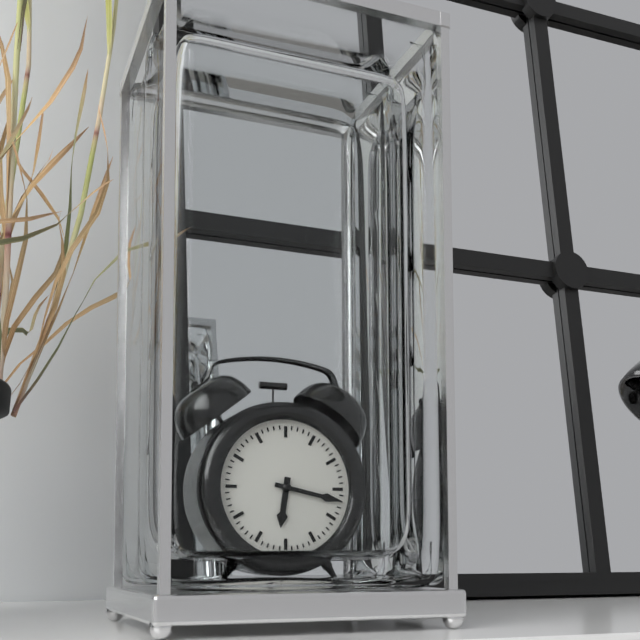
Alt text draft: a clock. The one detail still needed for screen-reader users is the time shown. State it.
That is 6:17
